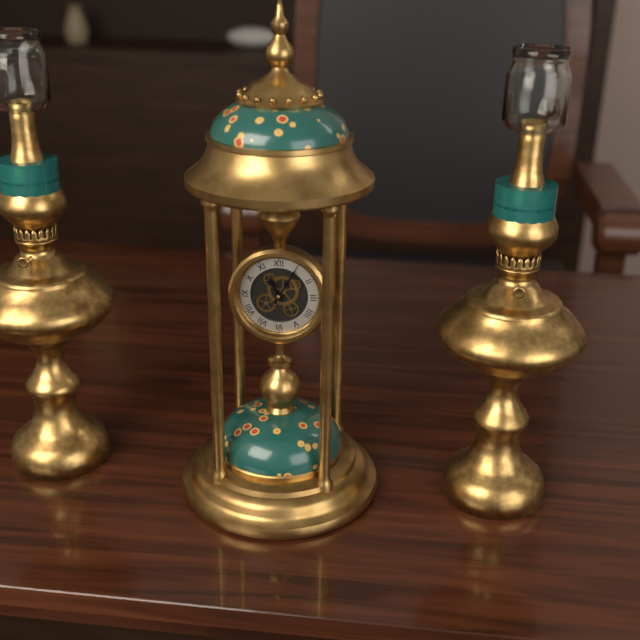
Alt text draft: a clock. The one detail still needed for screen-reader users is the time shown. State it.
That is 11:05
